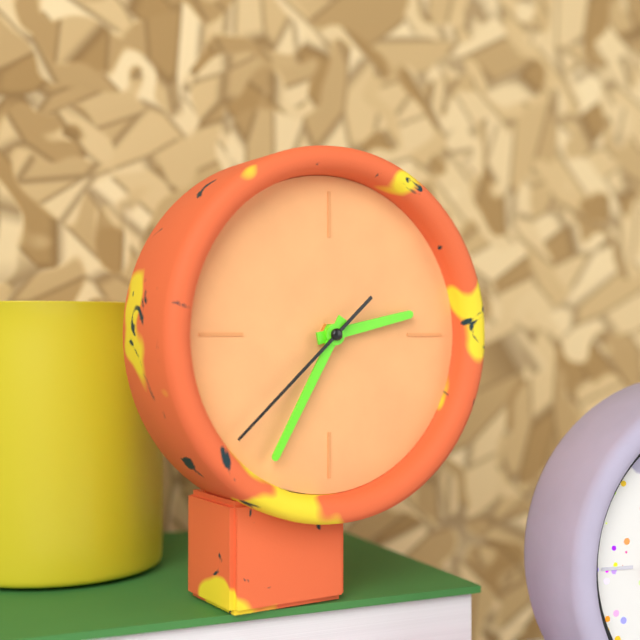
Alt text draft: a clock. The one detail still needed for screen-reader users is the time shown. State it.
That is 2:35:38
